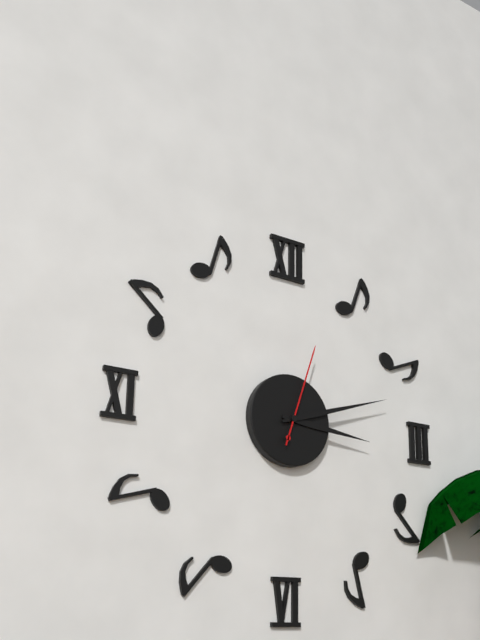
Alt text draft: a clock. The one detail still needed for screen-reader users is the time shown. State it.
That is 3:12:03
